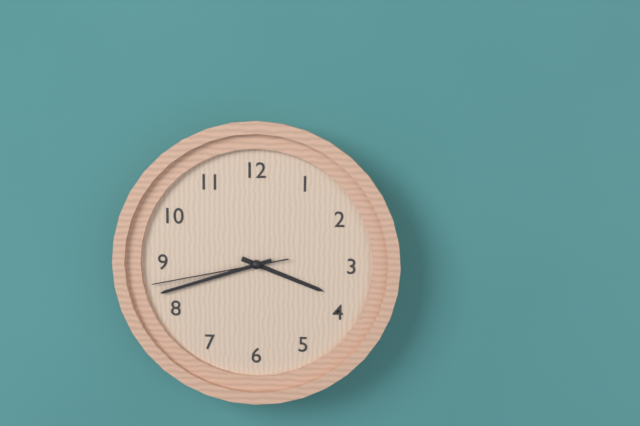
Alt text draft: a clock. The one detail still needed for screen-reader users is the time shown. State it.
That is 3:42:43
